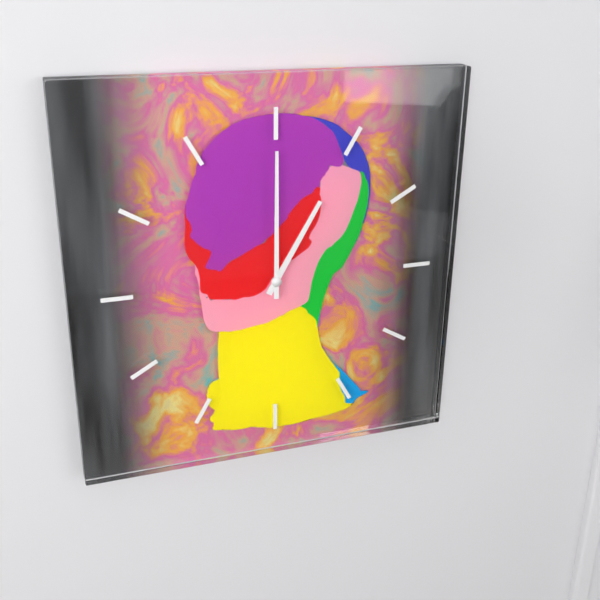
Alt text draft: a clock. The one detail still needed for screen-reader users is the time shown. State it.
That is 1:00
